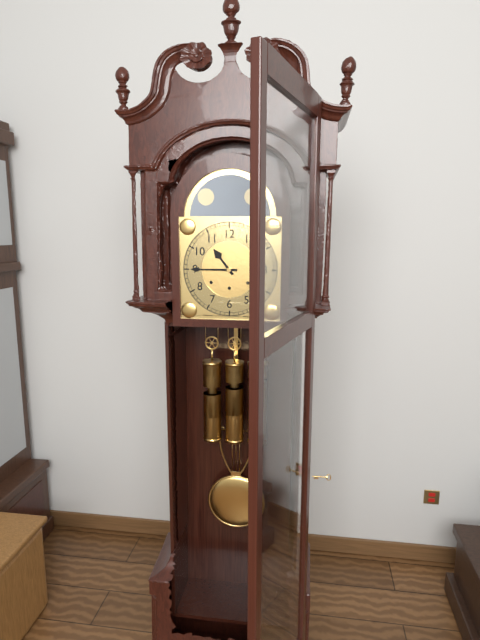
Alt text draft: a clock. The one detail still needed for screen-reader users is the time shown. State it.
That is 10:45
